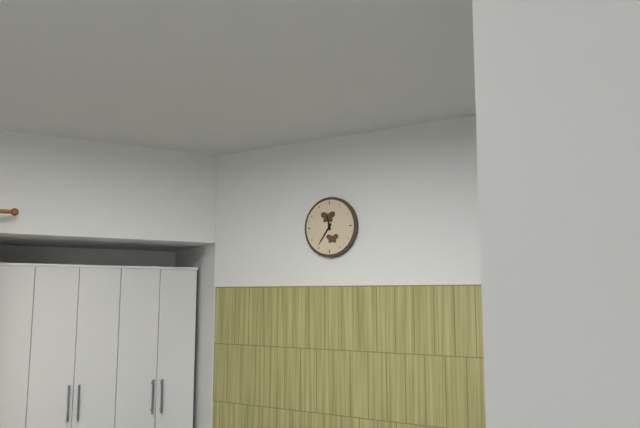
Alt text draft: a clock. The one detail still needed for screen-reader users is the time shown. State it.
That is 11:36
